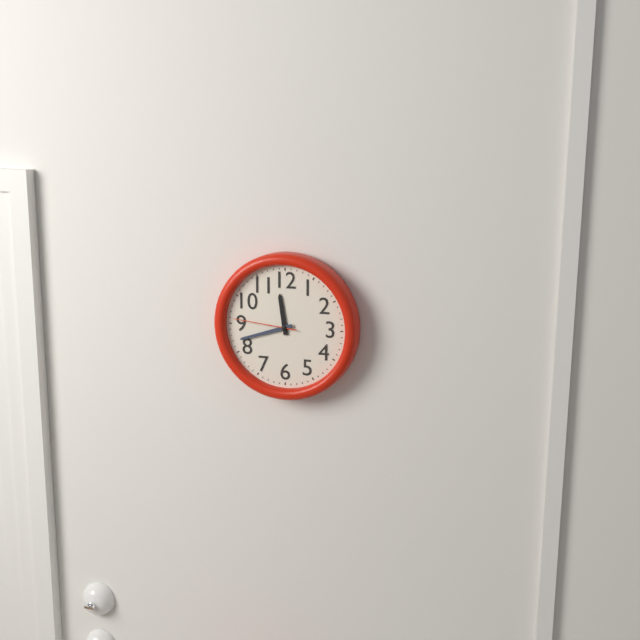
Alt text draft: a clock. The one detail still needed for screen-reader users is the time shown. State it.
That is 11:42:46
